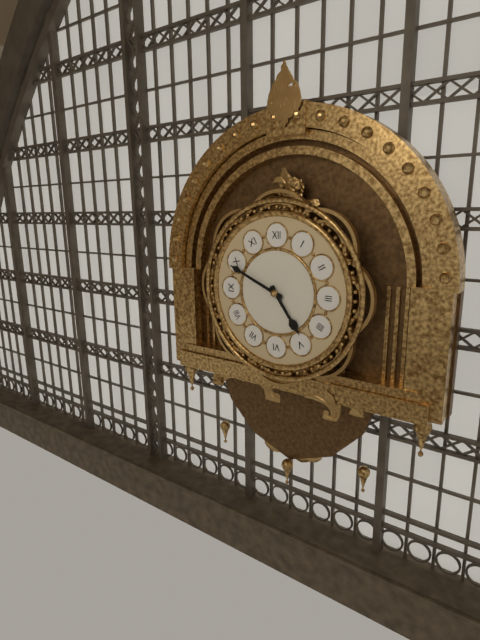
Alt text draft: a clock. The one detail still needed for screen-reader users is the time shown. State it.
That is 4:49
